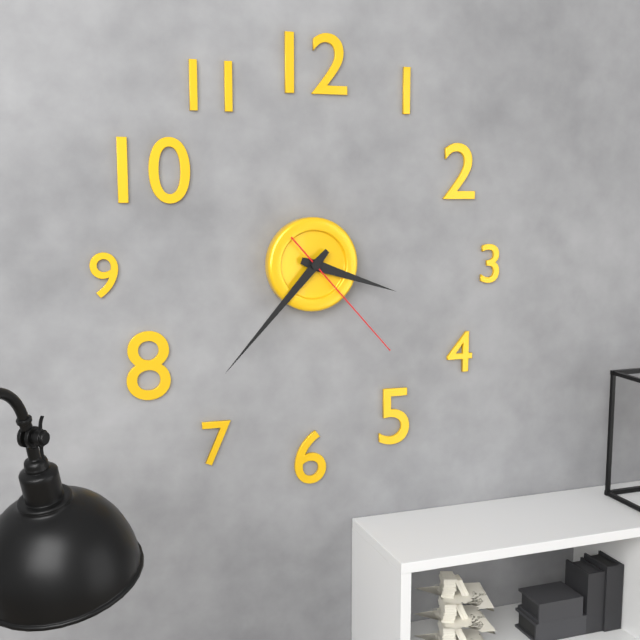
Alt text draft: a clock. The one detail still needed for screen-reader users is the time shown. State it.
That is 3:37:23
